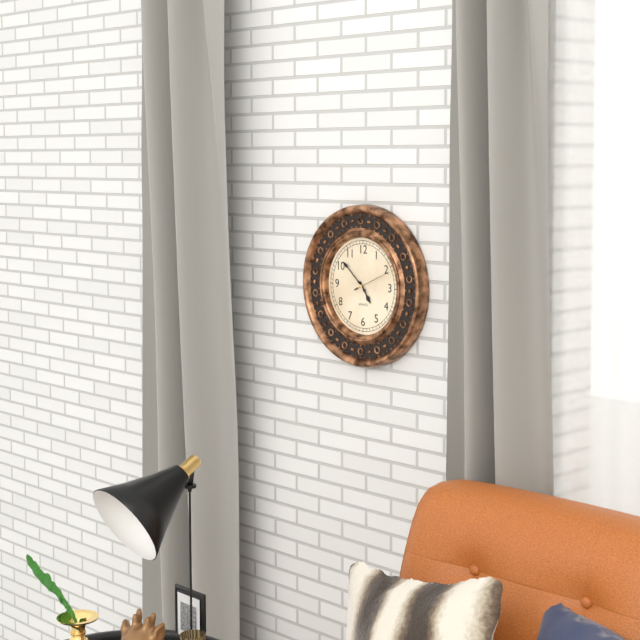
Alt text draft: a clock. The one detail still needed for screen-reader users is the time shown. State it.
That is 4:52
